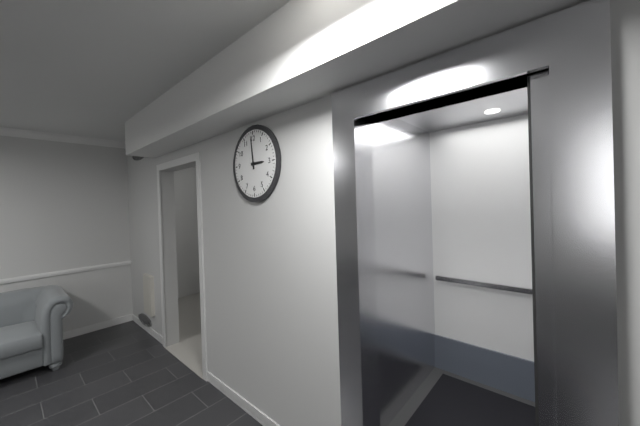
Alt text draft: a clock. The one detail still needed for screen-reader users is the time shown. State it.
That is 2:59
